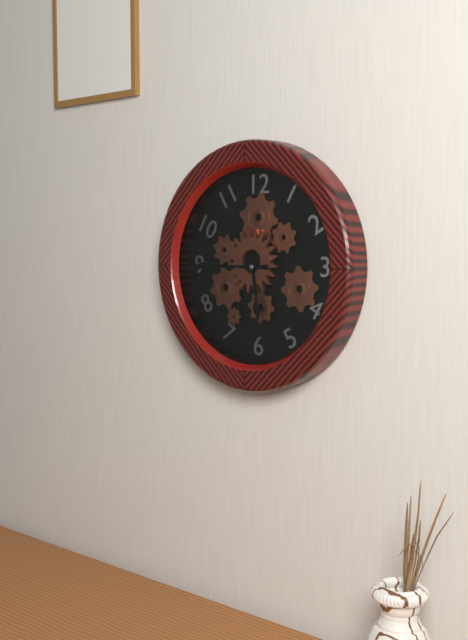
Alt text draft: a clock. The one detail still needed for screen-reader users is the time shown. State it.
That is 5:45
